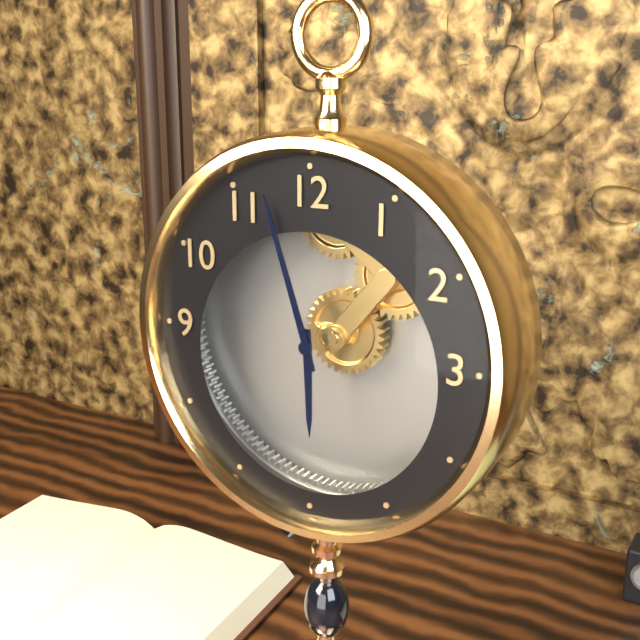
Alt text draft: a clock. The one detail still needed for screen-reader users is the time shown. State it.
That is 5:57
